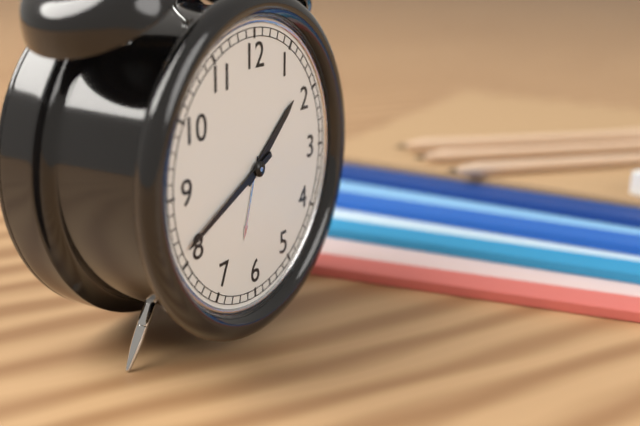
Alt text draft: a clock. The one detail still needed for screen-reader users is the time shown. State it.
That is 1:41
